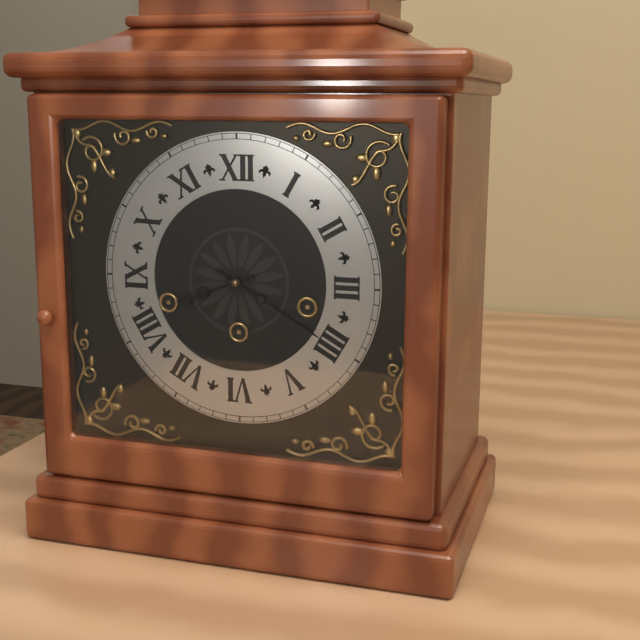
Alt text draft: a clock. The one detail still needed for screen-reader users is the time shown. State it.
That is 8:20
